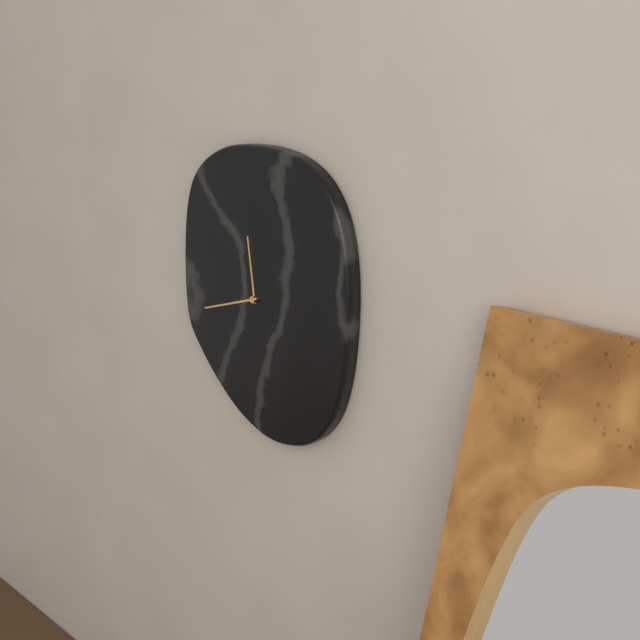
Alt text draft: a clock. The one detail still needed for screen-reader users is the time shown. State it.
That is 11:42
